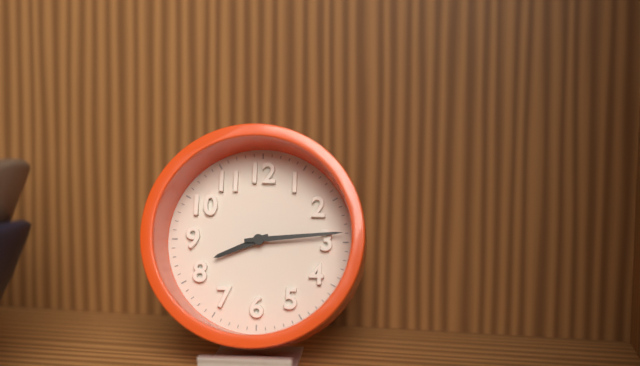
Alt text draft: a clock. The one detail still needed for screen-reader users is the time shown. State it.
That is 8:14
